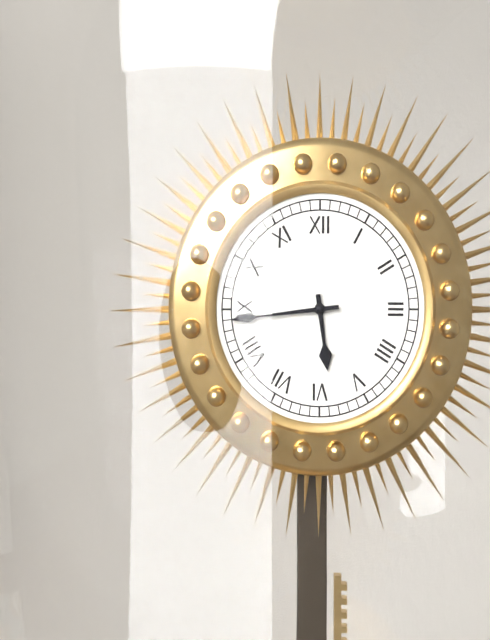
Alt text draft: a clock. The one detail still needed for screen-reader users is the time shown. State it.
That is 5:44
